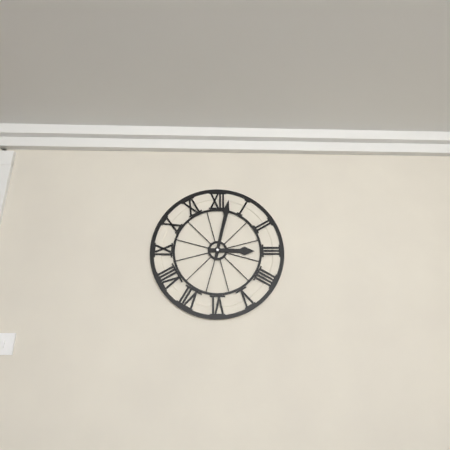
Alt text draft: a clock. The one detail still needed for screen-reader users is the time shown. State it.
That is 3:02
